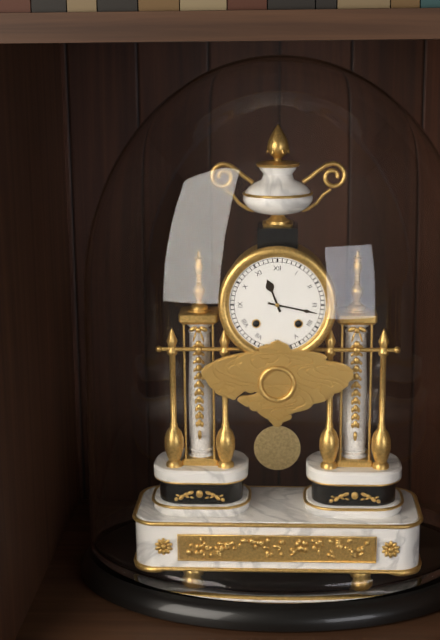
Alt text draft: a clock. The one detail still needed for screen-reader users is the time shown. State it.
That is 11:17
